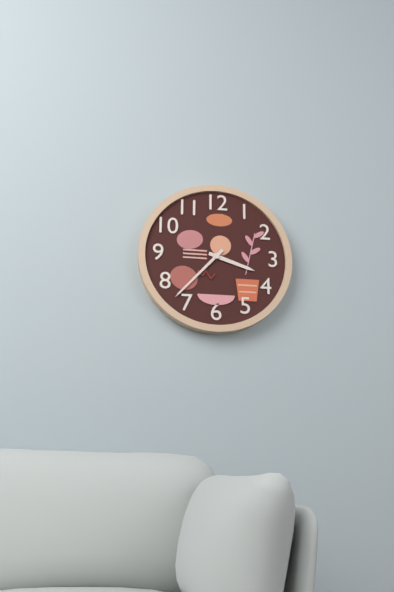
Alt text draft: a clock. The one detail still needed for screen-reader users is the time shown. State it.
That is 3:37
